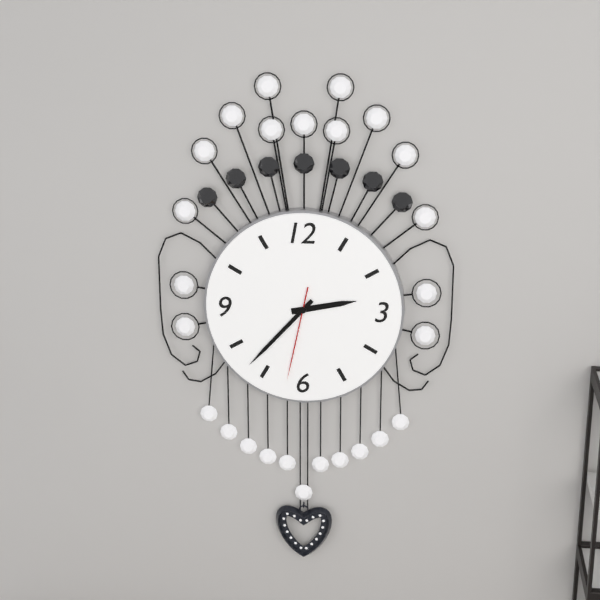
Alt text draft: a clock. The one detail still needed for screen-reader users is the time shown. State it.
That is 2:37:32
